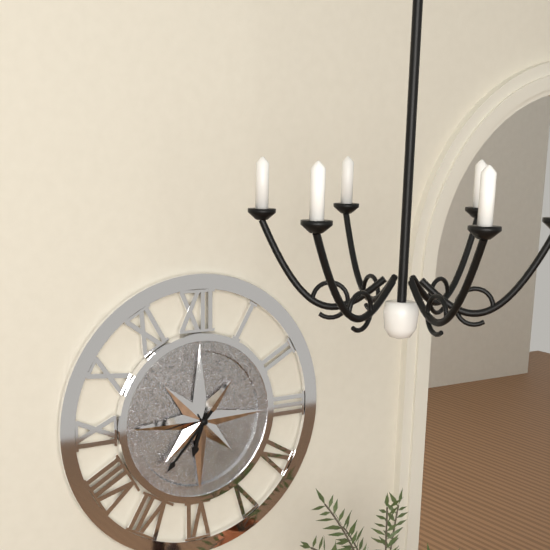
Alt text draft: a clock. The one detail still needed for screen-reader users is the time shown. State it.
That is 6:37
